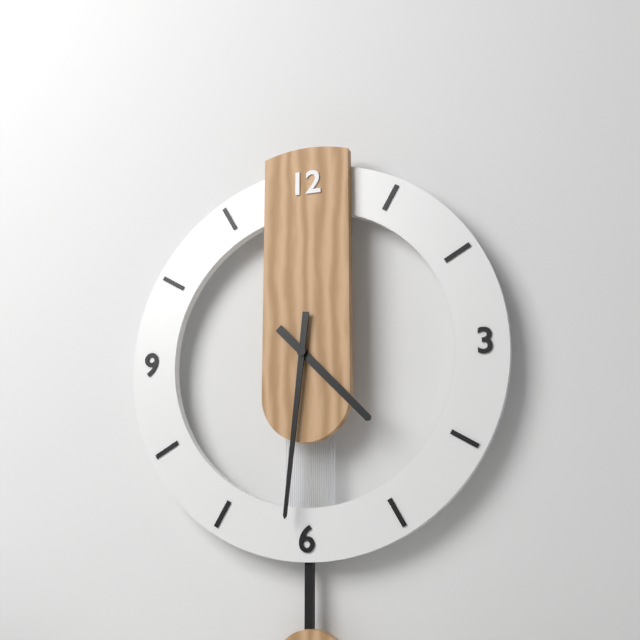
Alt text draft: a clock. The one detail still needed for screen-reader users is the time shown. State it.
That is 4:31
